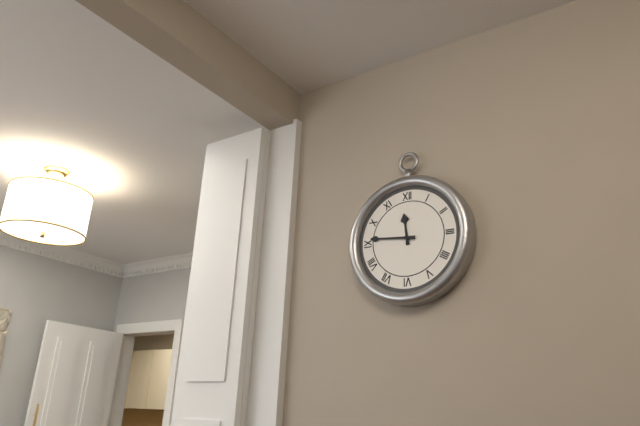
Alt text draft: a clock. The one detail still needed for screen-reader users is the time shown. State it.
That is 11:46
